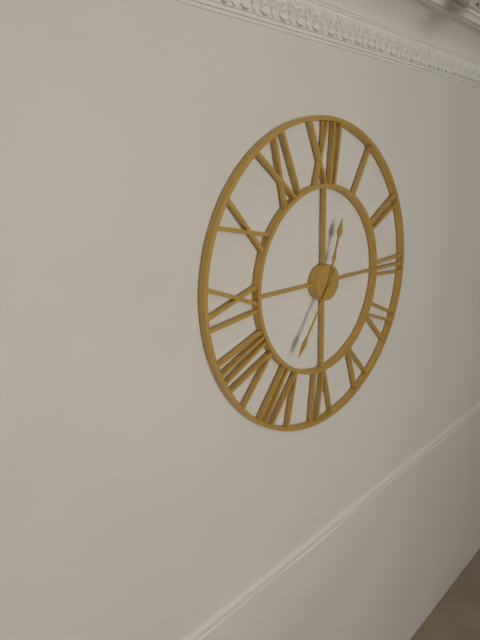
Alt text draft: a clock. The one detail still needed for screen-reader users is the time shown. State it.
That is 12:36
